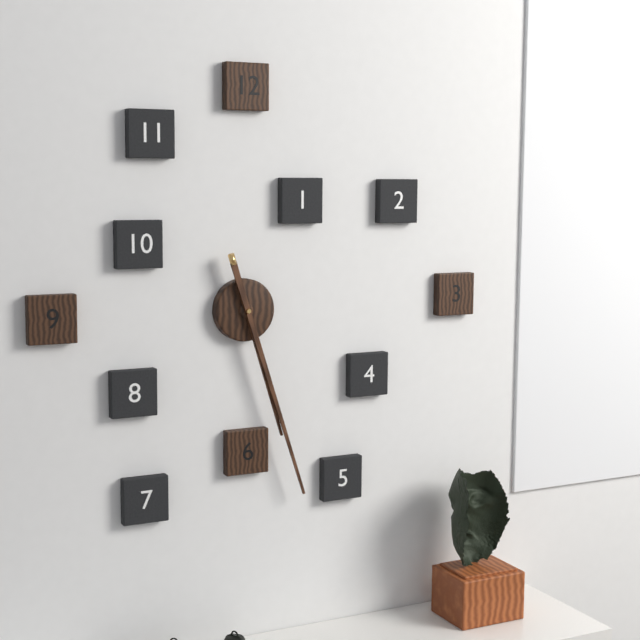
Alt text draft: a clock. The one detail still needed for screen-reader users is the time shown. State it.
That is 5:27
